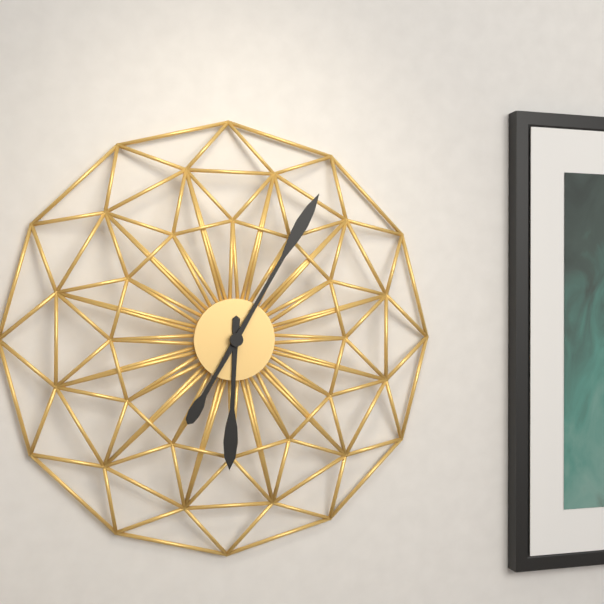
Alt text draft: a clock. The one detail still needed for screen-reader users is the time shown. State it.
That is 6:05
